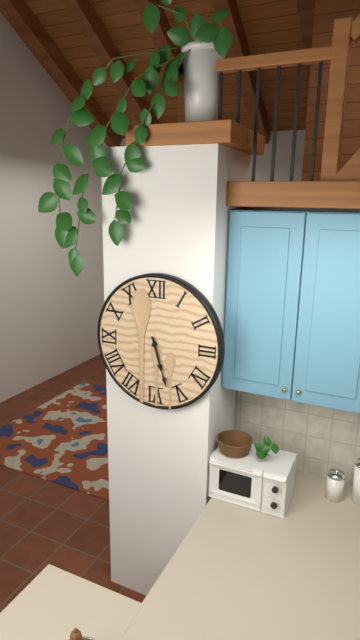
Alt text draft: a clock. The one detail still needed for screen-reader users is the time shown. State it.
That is 5:27
